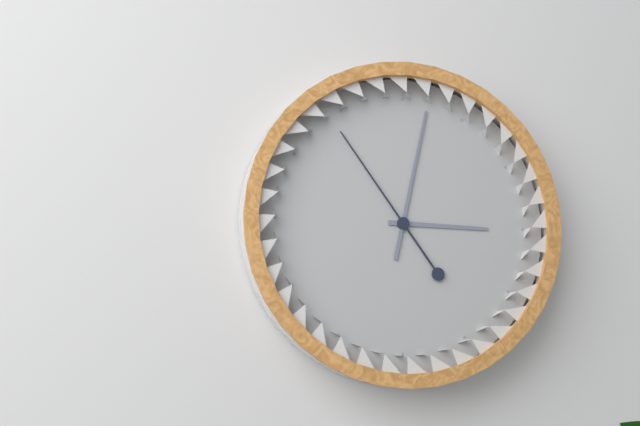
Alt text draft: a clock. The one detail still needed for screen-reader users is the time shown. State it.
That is 3:02:54
